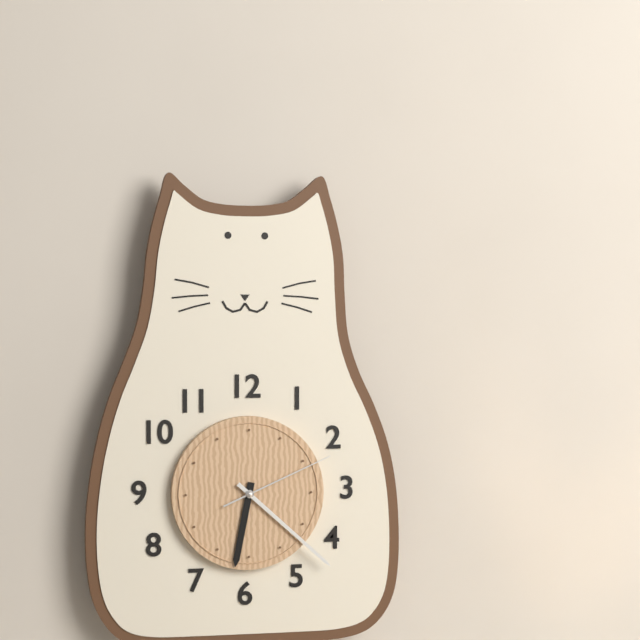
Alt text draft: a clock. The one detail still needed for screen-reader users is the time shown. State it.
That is 6:22:11
